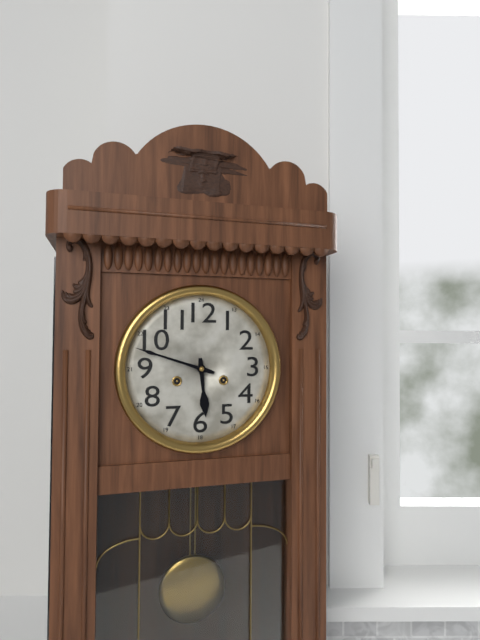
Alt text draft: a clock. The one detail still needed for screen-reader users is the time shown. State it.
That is 5:48
